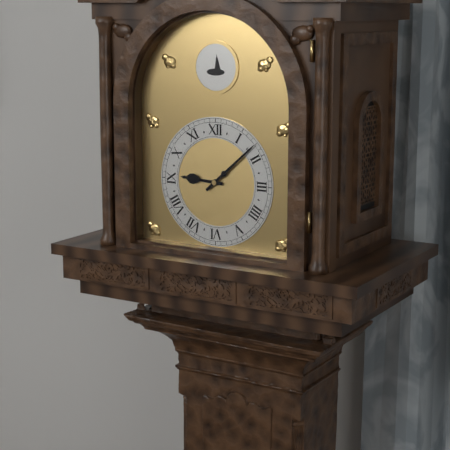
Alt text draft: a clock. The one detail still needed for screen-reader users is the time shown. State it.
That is 9:08
